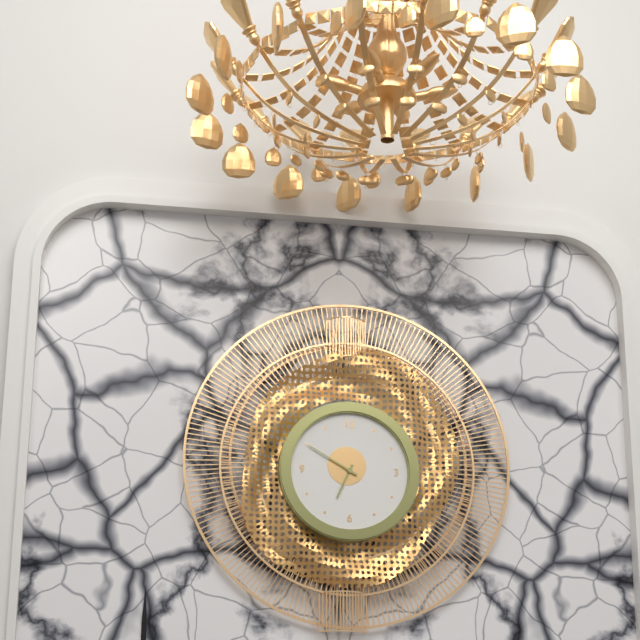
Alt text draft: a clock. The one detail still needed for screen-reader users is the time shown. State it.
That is 6:50
